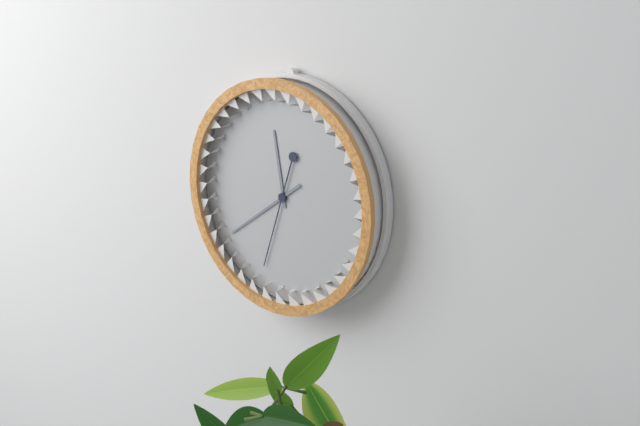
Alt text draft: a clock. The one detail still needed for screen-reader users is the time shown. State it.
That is 11:39:33
